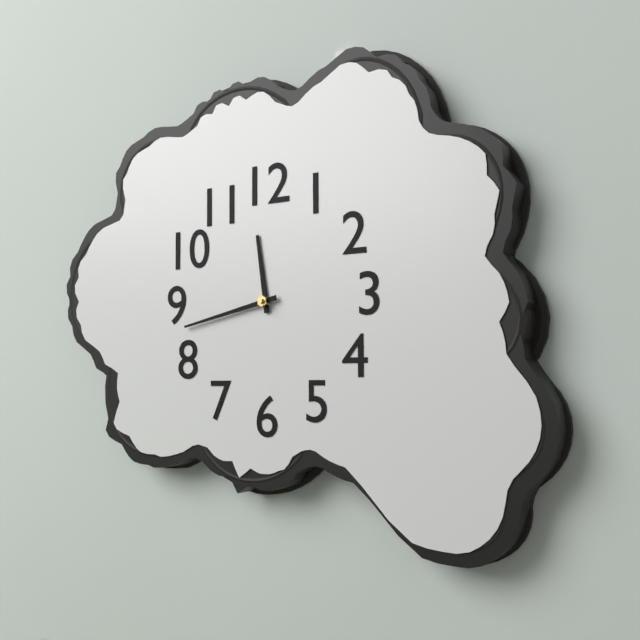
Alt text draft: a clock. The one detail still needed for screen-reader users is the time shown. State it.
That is 11:43
